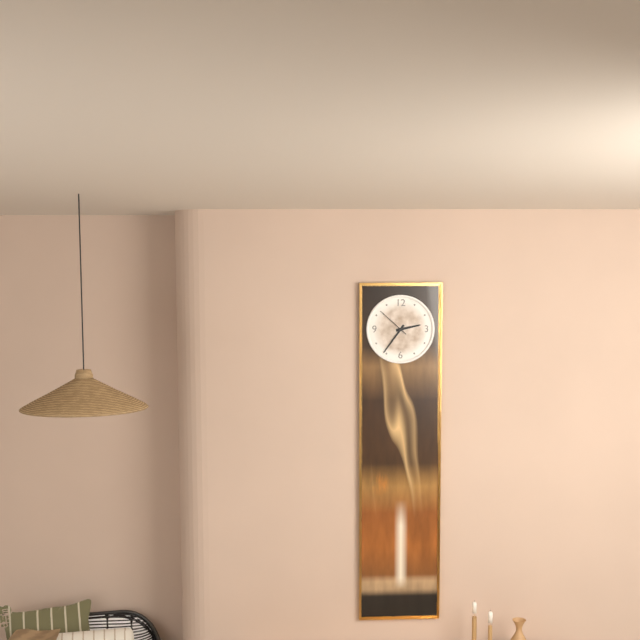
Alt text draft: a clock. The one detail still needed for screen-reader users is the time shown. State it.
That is 2:36
